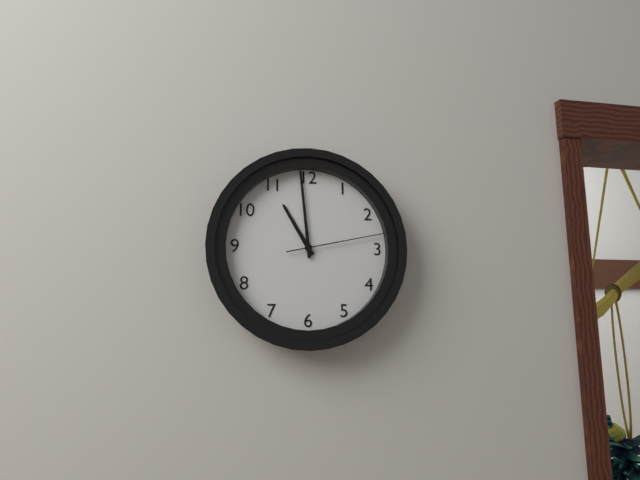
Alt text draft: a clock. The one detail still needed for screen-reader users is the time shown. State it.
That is 10:59:13
